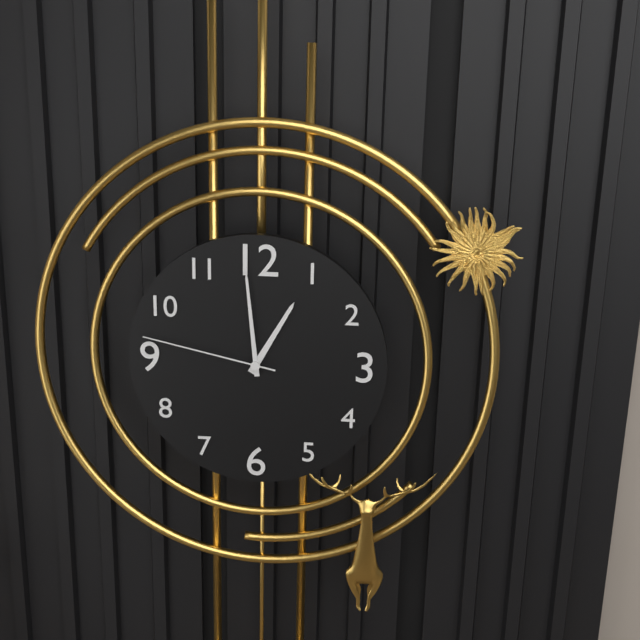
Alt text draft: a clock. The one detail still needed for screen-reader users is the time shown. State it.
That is 12:59:47
